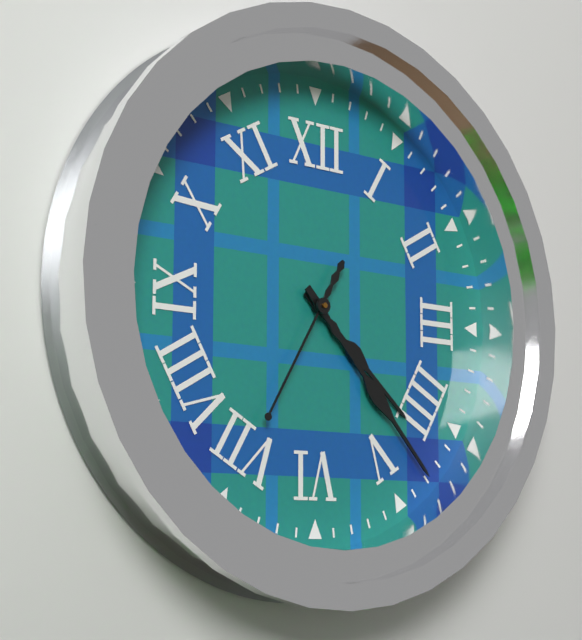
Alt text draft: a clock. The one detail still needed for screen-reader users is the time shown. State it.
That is 4:23:35
